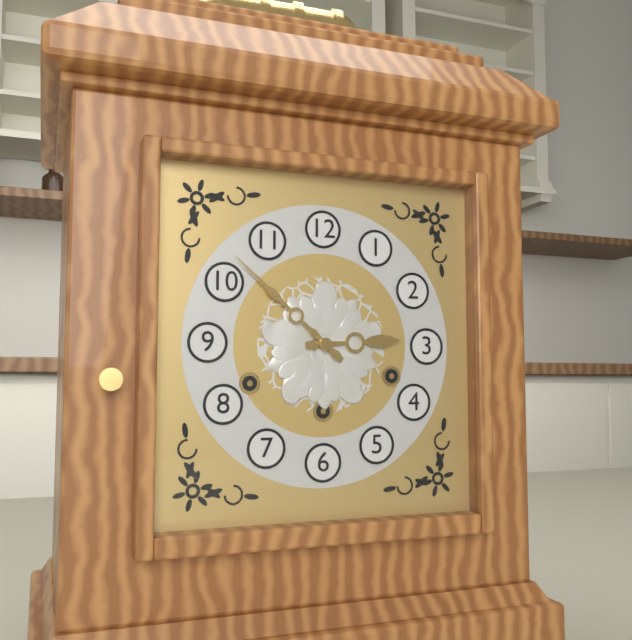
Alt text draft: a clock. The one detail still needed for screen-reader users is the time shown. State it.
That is 2:52
